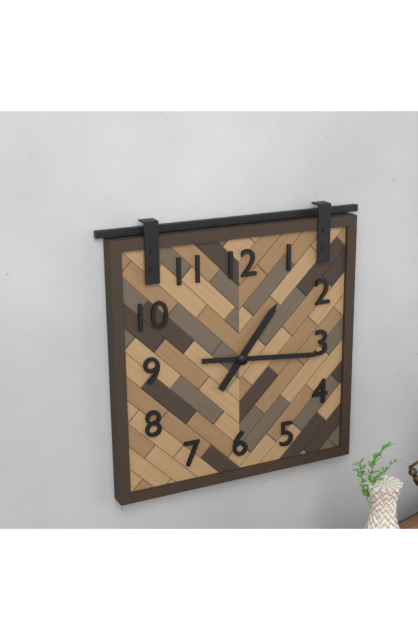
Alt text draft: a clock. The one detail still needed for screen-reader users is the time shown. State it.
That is 1:16
